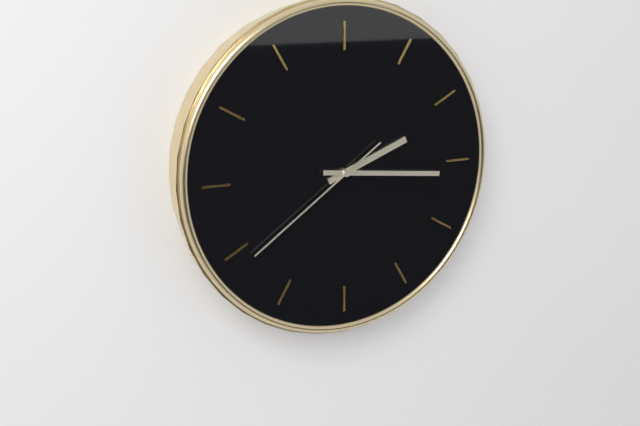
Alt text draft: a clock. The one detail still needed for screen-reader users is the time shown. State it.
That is 2:16:39
